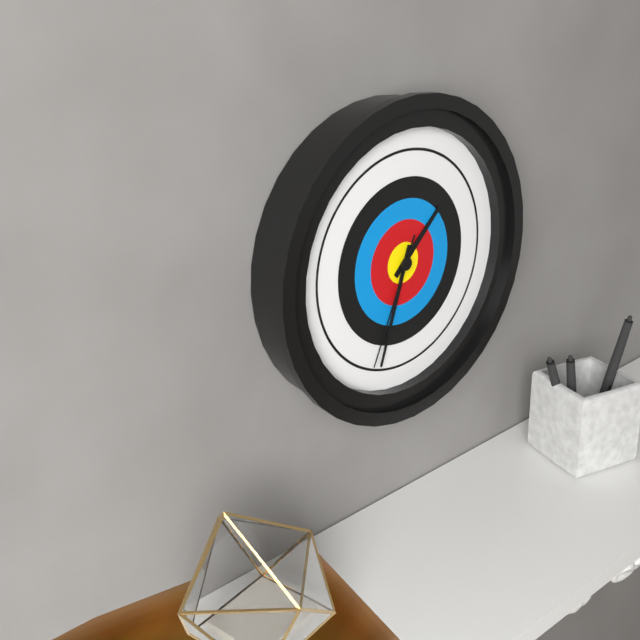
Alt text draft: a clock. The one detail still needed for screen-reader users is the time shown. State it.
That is 1:33:34
